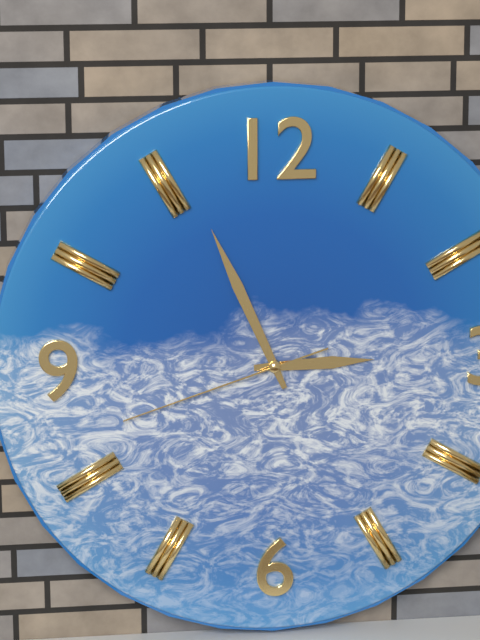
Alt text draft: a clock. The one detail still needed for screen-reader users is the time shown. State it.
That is 2:56:42
